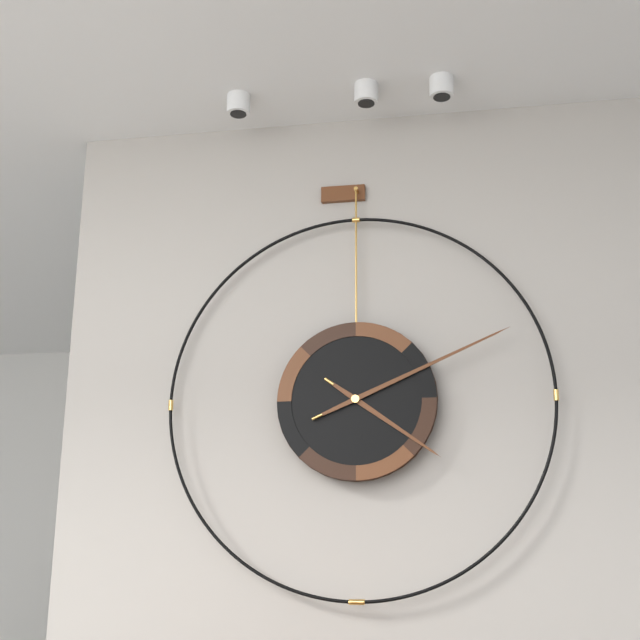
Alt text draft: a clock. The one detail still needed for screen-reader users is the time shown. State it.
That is 4:11
